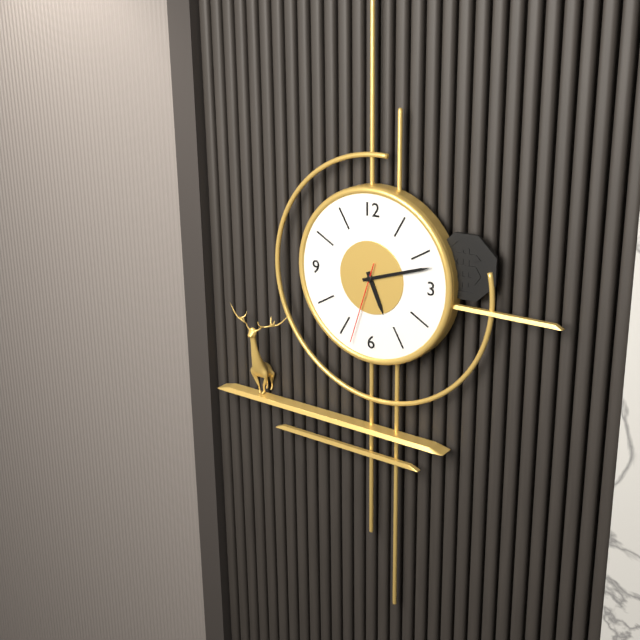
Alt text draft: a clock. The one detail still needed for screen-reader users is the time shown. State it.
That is 5:12:33
